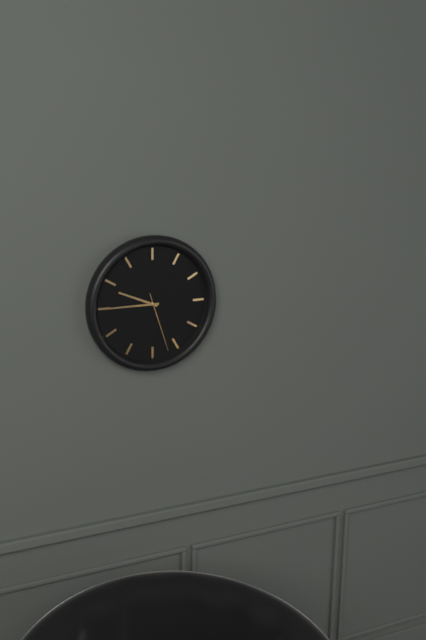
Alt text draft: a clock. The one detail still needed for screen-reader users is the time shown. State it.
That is 9:45:27
